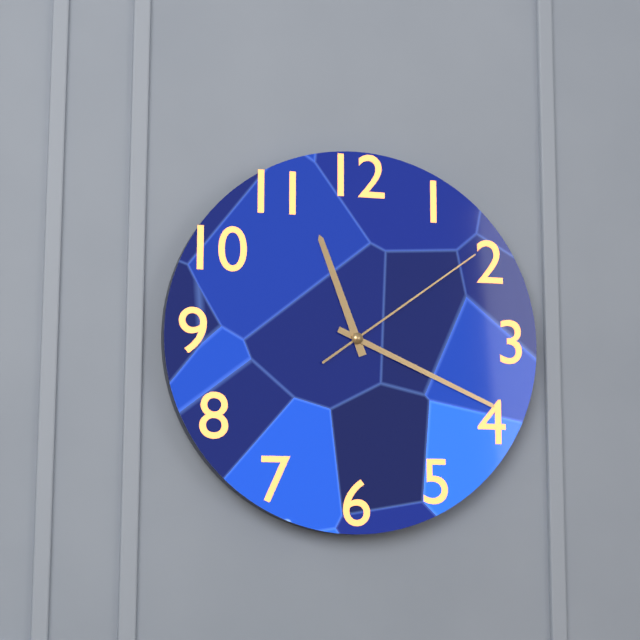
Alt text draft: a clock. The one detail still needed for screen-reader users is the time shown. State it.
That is 11:19:09
